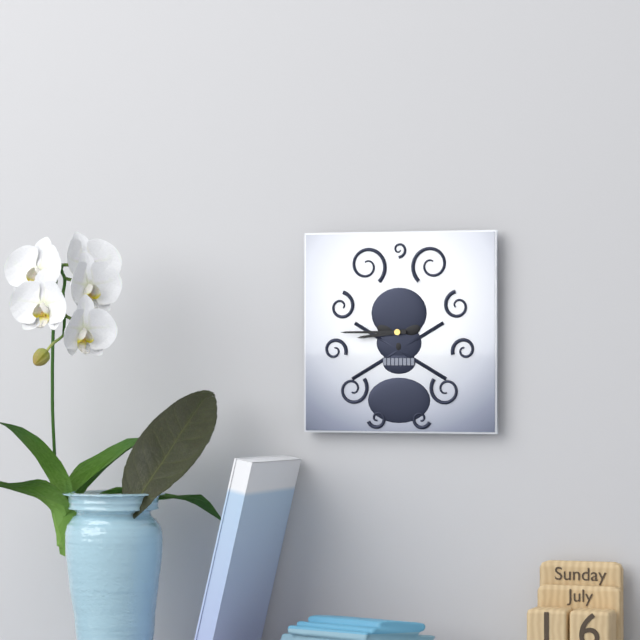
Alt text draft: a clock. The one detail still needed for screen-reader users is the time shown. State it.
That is 8:45
